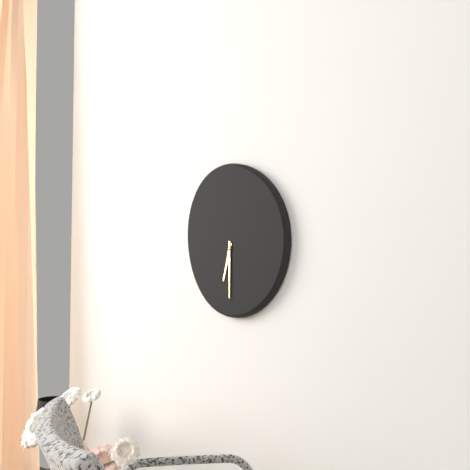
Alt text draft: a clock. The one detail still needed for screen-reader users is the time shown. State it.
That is 6:30
